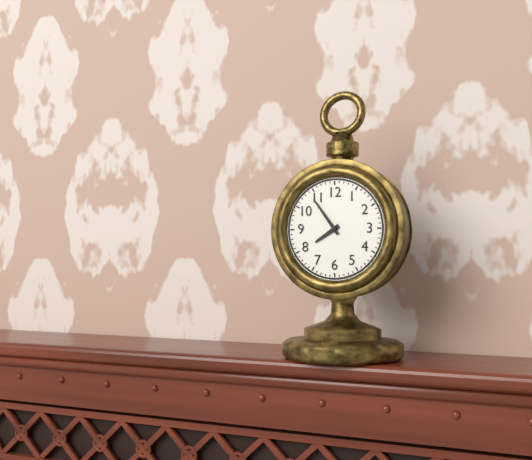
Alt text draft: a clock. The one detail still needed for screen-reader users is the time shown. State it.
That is 7:54
